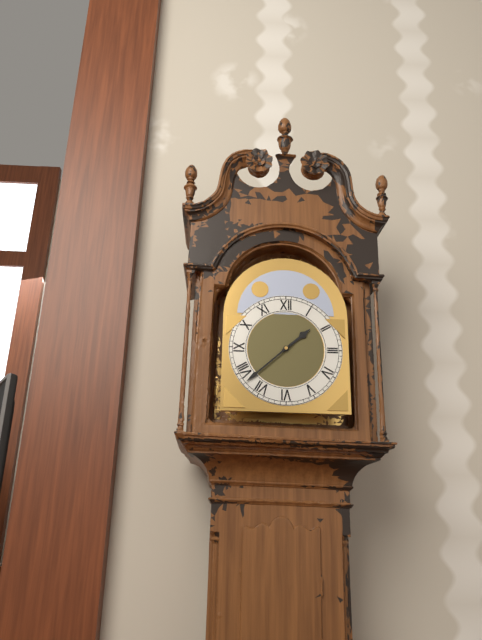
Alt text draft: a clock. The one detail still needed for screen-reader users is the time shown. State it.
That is 1:38
